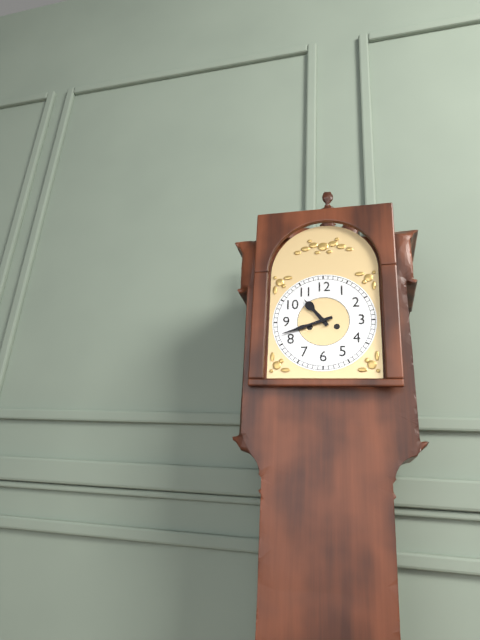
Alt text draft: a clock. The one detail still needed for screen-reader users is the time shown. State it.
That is 10:42
